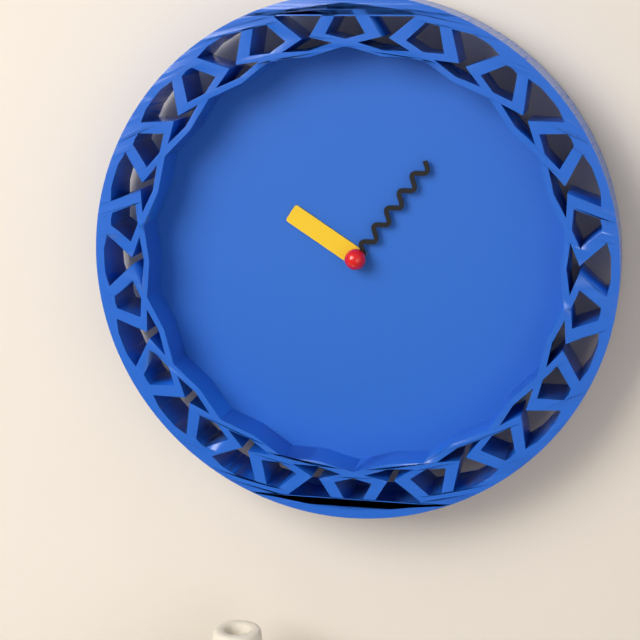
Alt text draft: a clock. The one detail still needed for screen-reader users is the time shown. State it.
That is 10:06
